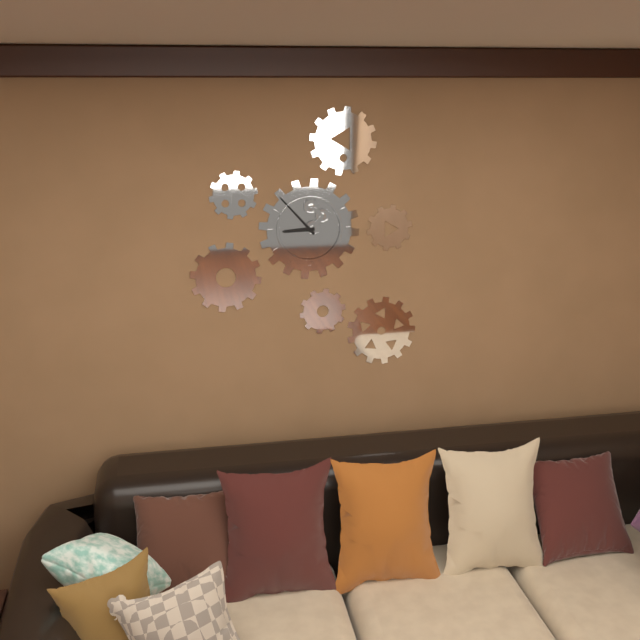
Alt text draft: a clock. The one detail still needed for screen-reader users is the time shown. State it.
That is 8:53
